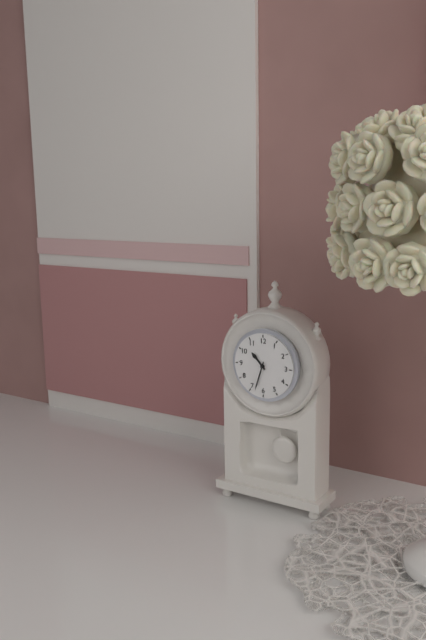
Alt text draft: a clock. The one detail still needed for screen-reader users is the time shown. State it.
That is 10:33
